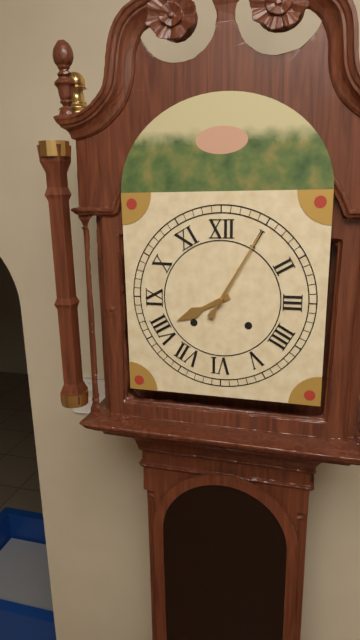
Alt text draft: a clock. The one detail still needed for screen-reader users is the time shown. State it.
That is 8:05
